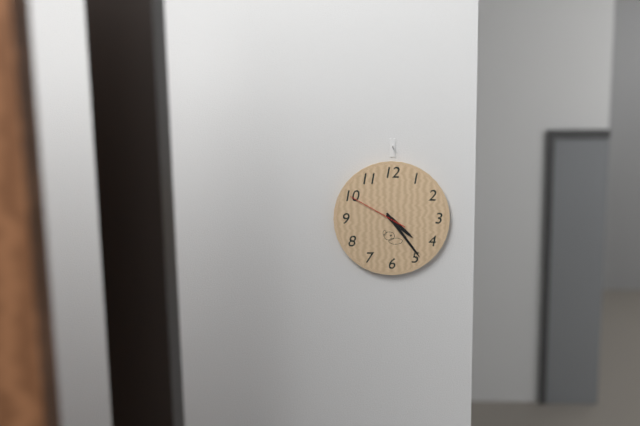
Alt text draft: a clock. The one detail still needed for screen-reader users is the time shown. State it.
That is 4:24:50
